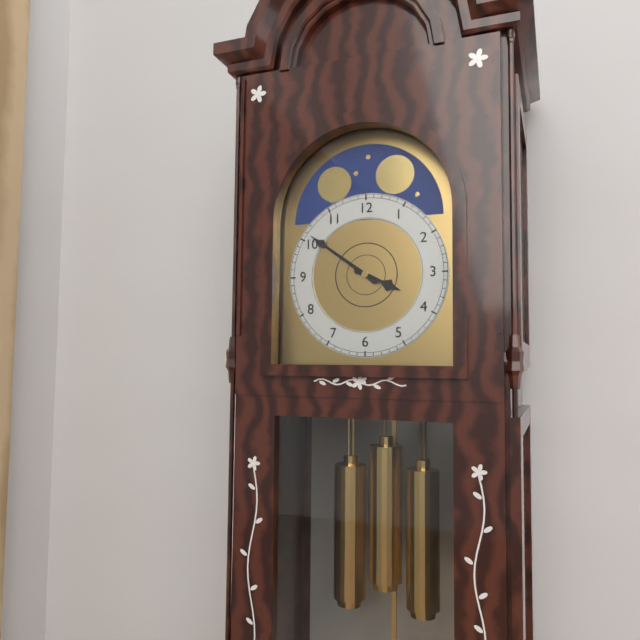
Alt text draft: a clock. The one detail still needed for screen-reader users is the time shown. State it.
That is 3:51
